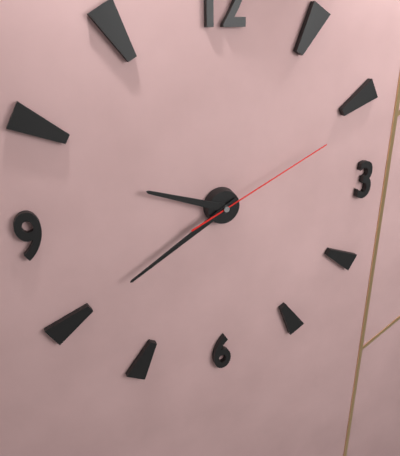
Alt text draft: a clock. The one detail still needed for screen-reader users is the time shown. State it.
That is 9:40:11
